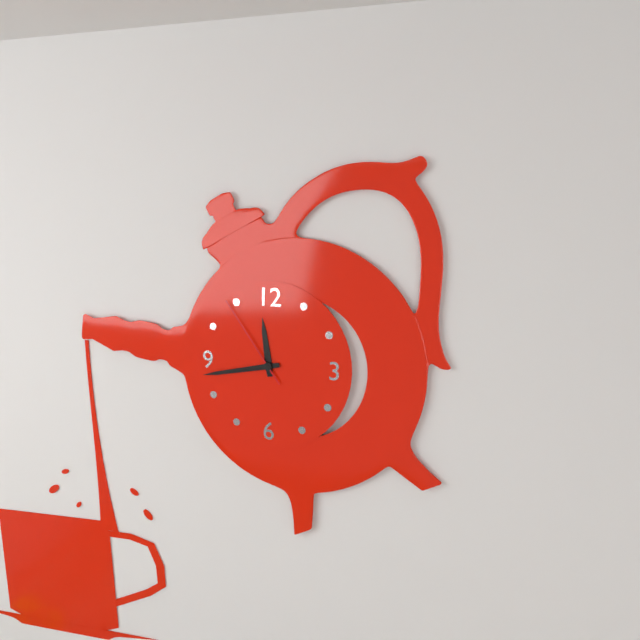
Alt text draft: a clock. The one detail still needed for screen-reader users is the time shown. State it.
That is 11:43:54
